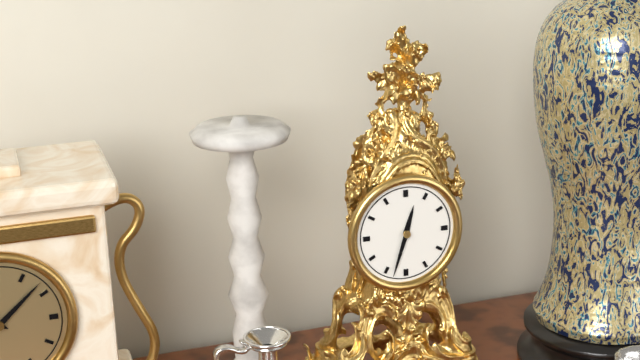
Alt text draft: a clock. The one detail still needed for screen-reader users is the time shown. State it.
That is 12:33
